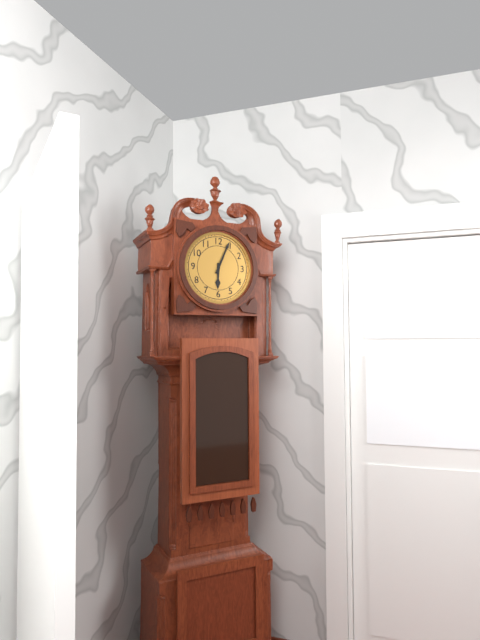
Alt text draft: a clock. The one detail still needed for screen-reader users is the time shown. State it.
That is 6:04
